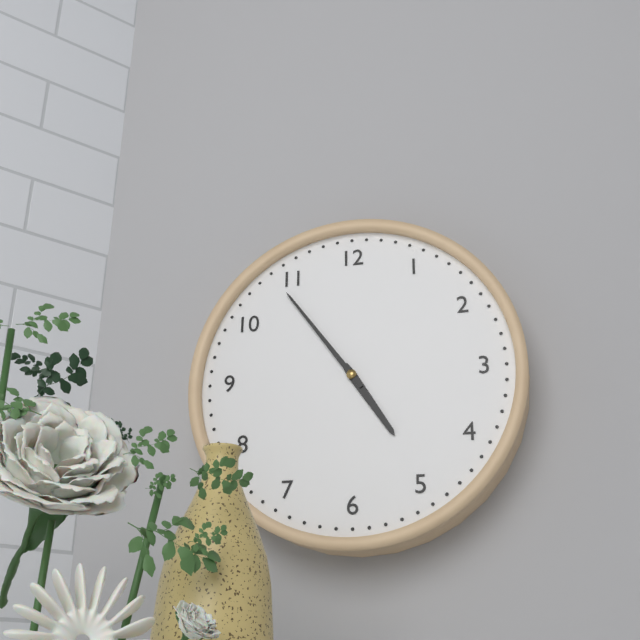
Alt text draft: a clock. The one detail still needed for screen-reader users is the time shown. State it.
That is 4:54
